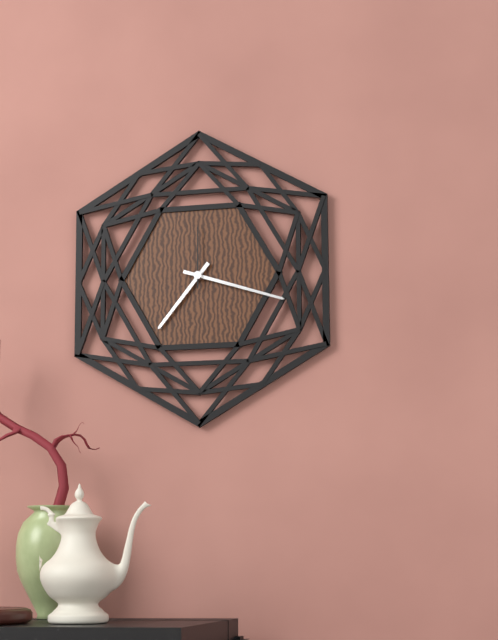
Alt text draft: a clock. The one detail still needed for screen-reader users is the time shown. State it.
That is 7:18:00
